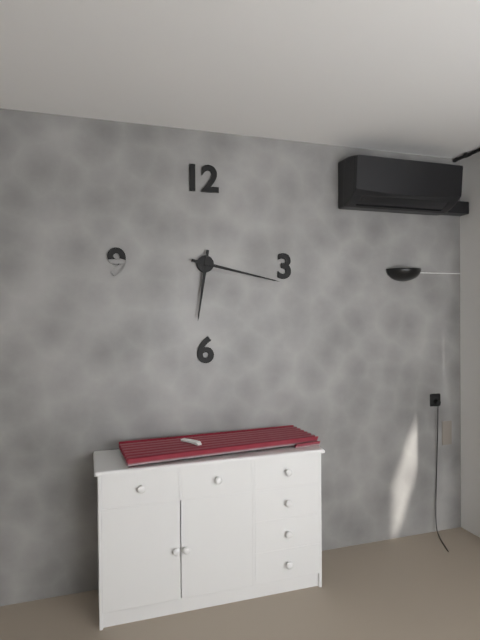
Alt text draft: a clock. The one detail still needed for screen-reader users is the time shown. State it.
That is 6:17
